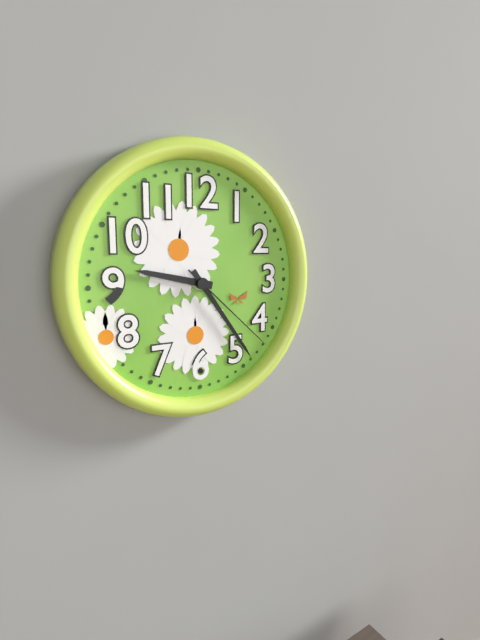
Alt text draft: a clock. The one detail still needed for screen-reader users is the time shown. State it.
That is 9:24:22
